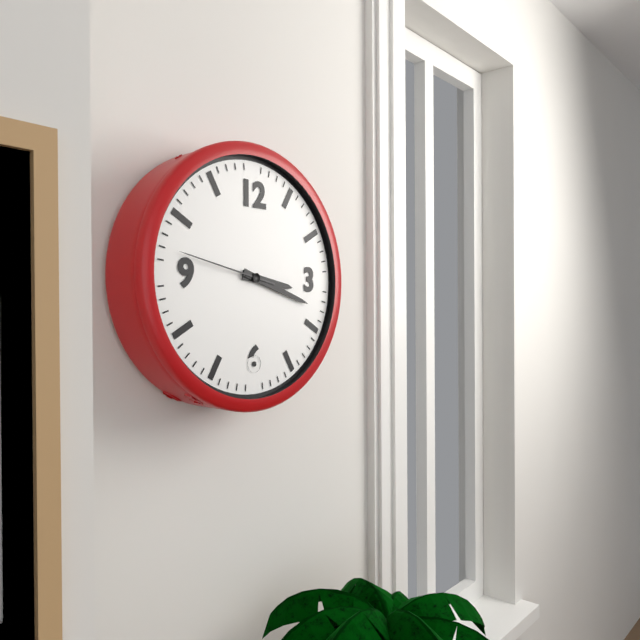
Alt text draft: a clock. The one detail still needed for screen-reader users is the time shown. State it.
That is 3:18:47
